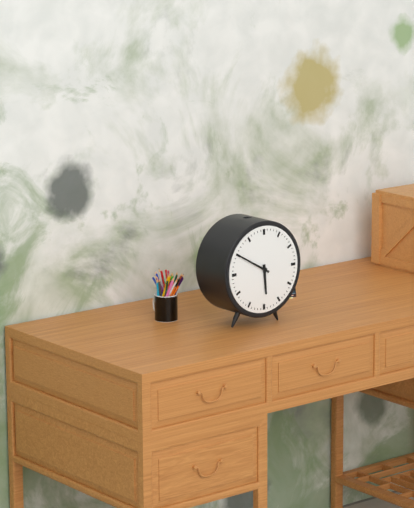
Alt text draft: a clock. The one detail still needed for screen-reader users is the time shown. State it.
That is 5:50
